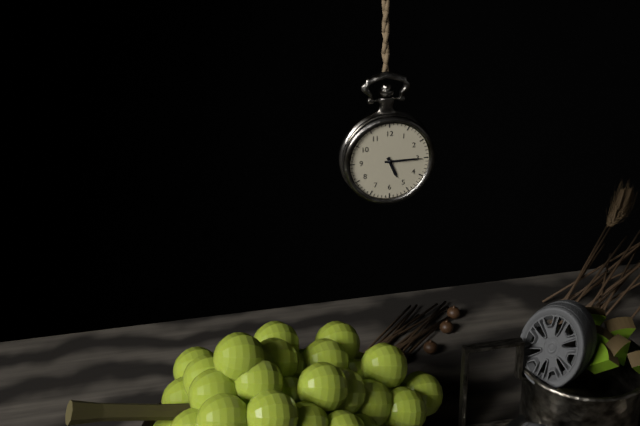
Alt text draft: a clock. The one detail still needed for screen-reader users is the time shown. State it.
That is 5:15
